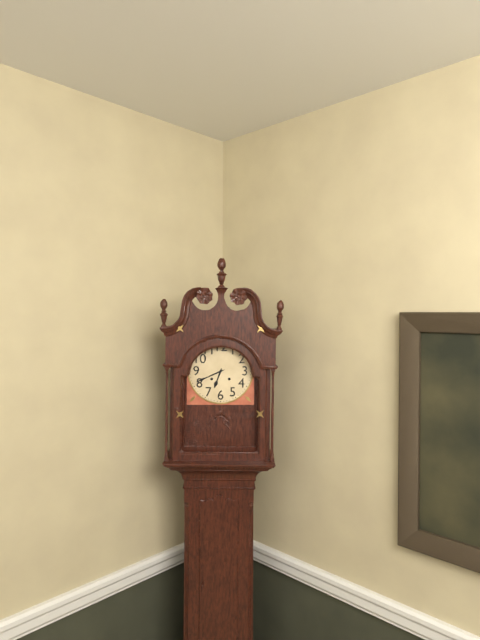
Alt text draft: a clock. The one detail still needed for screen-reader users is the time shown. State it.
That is 6:41
